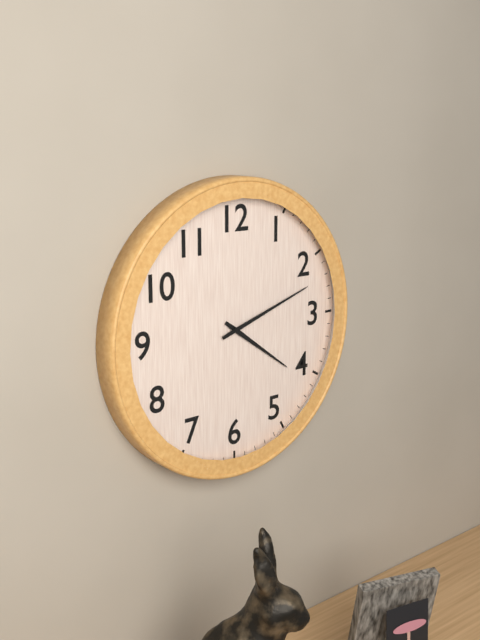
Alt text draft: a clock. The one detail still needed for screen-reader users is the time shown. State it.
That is 4:12
